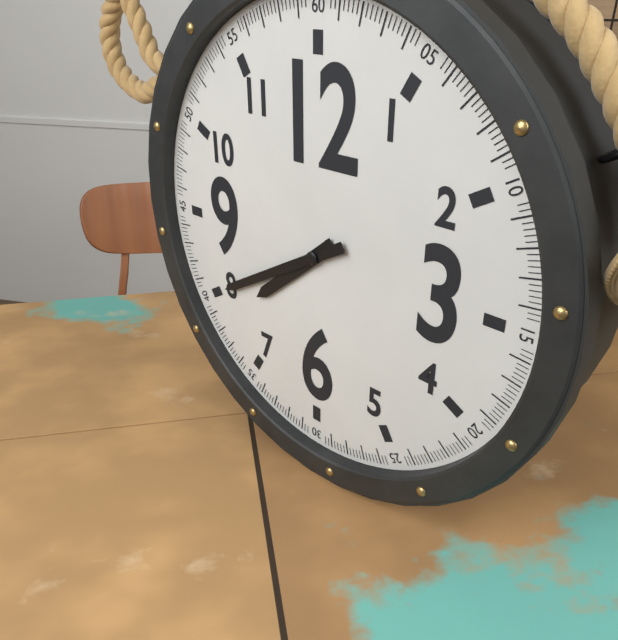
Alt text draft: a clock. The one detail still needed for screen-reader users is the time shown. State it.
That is 7:40
